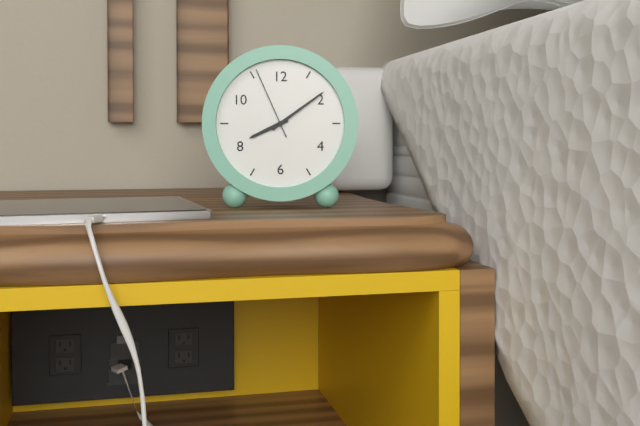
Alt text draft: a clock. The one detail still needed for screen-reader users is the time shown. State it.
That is 8:09:56
